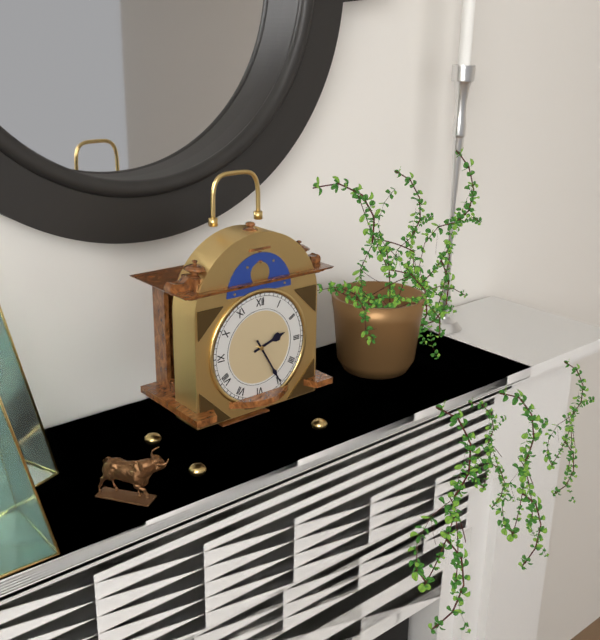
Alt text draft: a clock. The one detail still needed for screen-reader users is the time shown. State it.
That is 2:25
